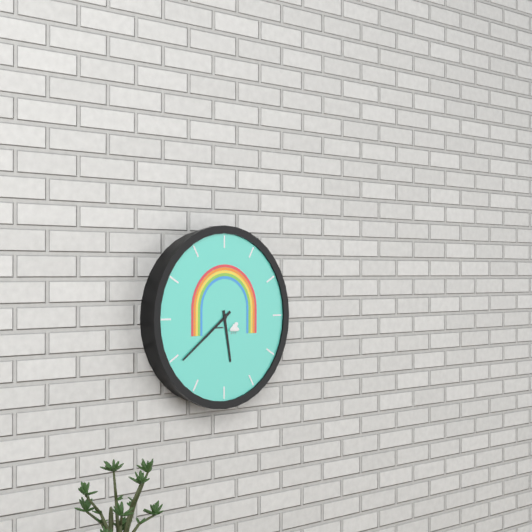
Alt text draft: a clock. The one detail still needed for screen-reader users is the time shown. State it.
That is 5:39
